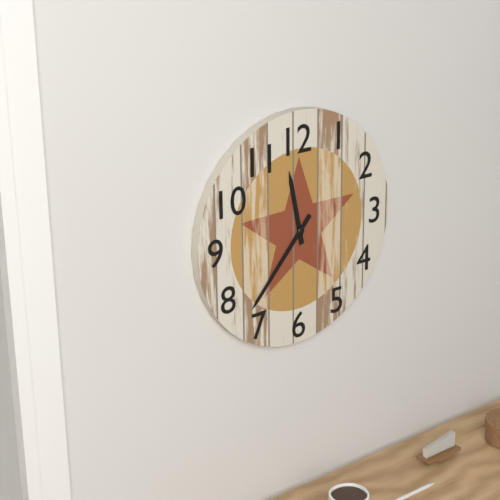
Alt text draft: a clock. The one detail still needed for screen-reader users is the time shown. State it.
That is 11:37
